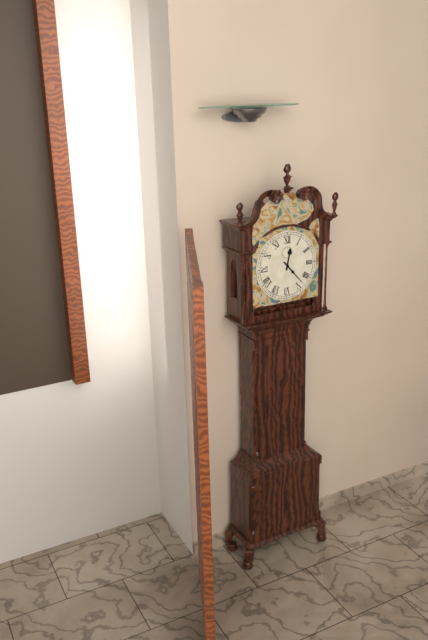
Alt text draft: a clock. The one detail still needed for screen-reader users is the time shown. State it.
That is 12:23
